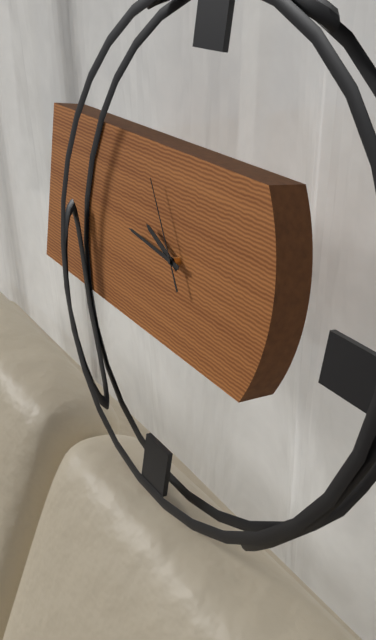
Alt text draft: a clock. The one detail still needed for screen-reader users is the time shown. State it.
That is 9:46:54
